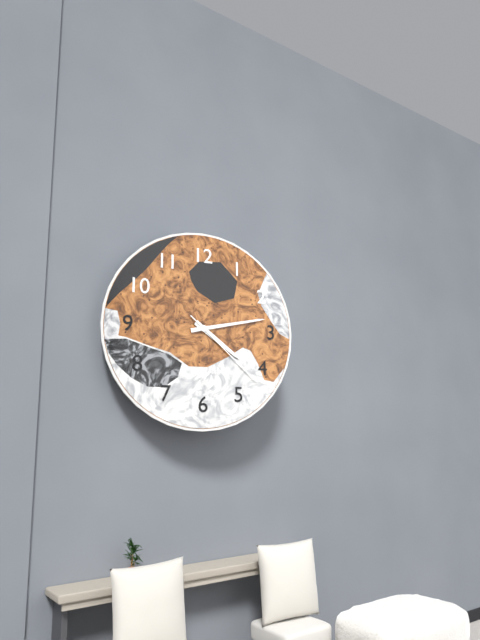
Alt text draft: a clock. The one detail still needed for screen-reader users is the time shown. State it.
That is 4:13:22
